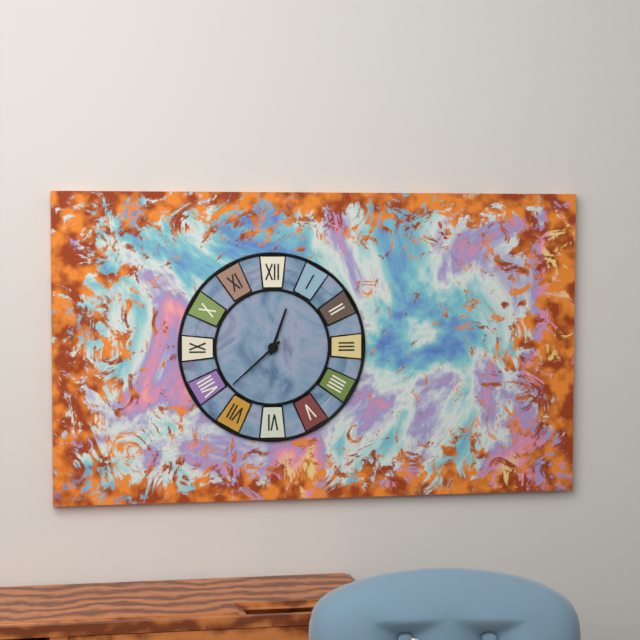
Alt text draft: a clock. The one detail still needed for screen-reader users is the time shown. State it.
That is 12:38
